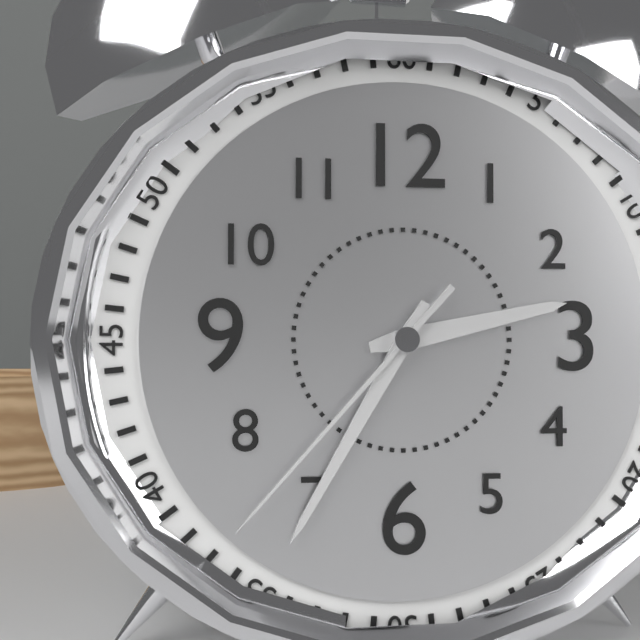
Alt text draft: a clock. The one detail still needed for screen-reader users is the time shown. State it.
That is 2:35:37
